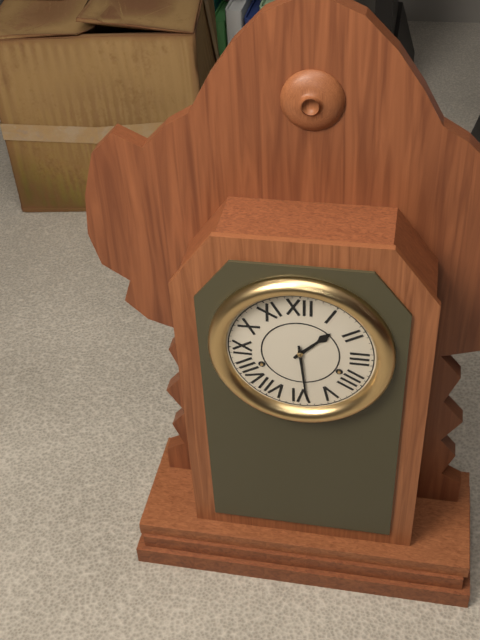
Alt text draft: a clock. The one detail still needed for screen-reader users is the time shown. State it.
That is 1:29
